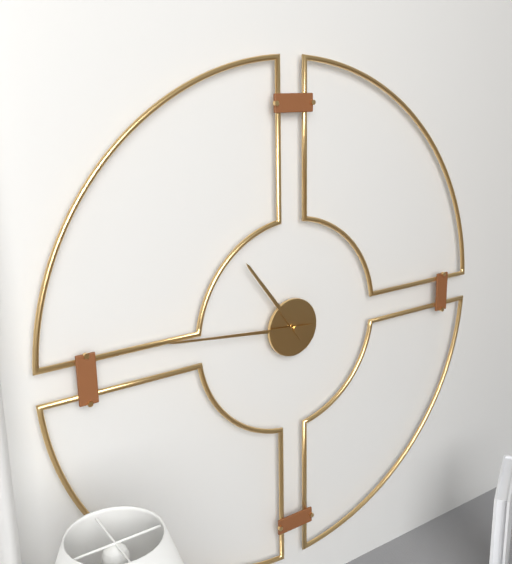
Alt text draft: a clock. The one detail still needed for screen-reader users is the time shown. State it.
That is 10:46
